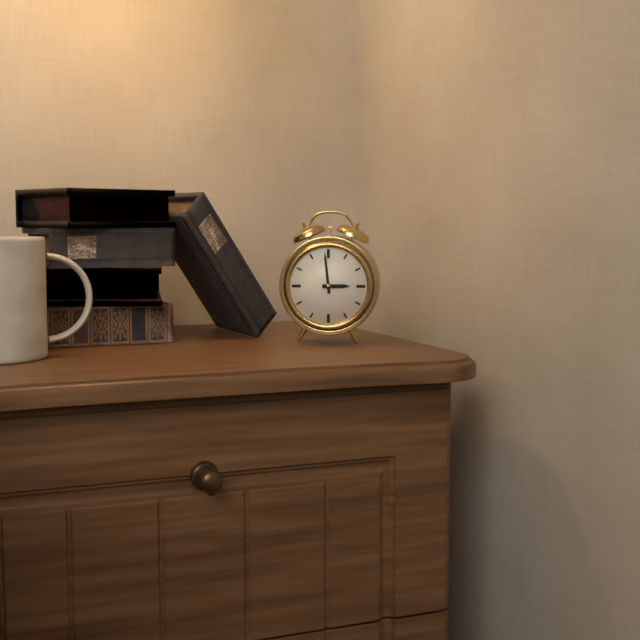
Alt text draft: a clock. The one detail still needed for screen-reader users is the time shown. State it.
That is 2:59
